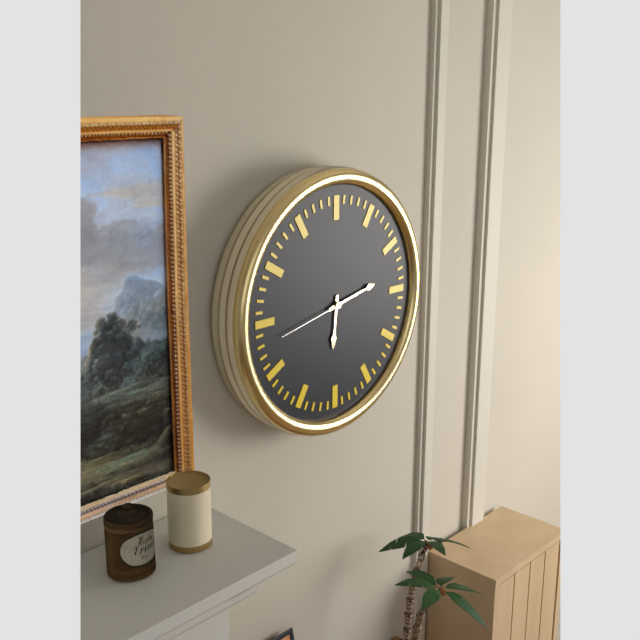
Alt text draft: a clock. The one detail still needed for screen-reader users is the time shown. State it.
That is 6:13:43
